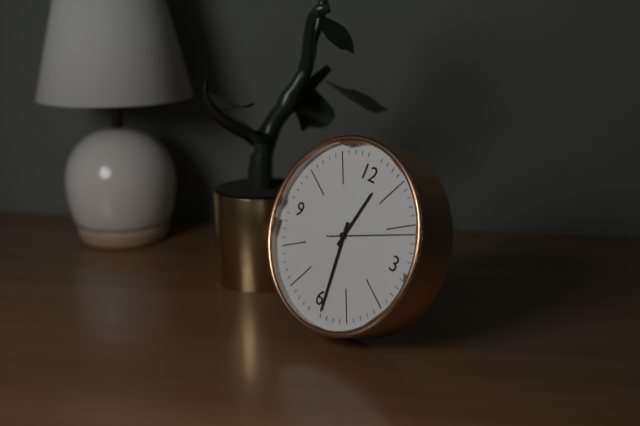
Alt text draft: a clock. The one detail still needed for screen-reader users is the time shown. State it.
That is 12:29:11
